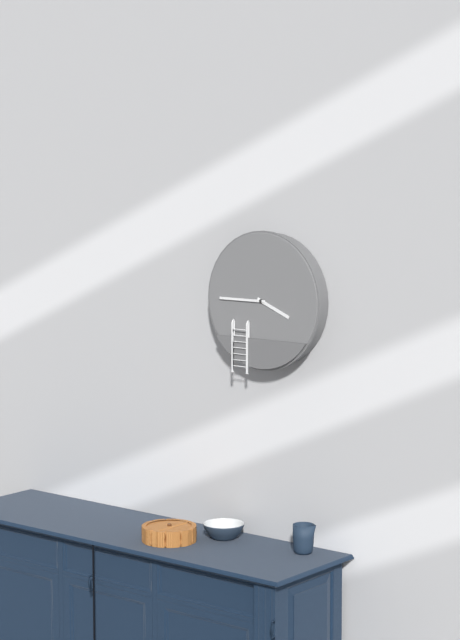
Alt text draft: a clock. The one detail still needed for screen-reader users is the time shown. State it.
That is 3:45
